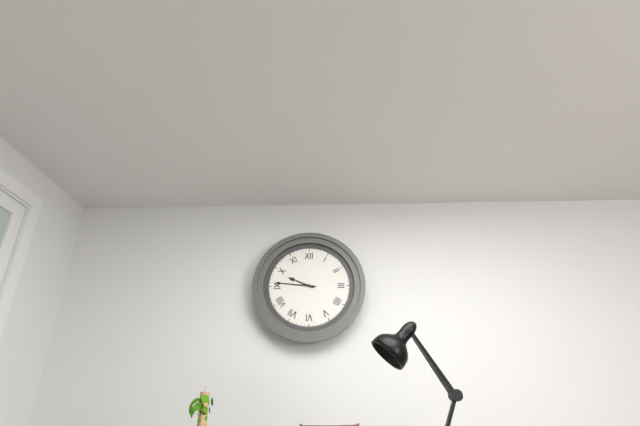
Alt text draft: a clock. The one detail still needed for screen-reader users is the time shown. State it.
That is 9:46
